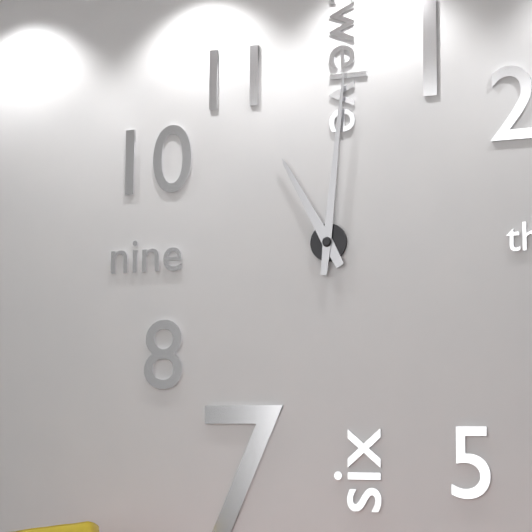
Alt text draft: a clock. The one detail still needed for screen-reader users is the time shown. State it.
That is 11:01
